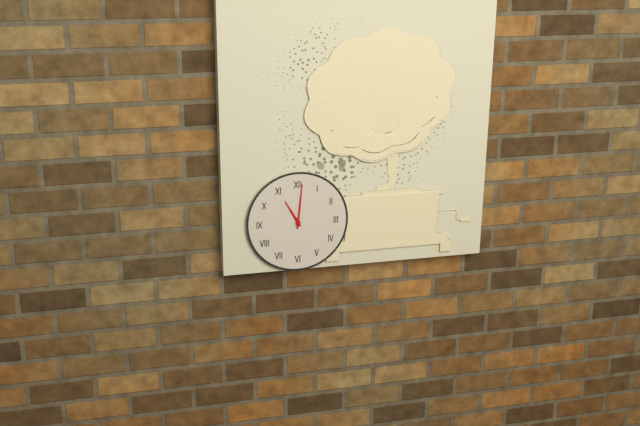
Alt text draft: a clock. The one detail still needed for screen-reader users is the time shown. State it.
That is 11:01
